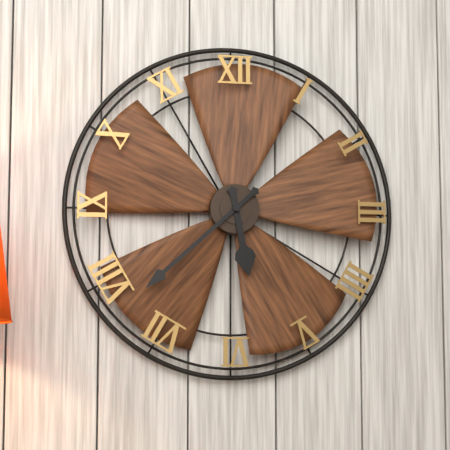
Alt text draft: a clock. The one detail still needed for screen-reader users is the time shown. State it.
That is 5:38
